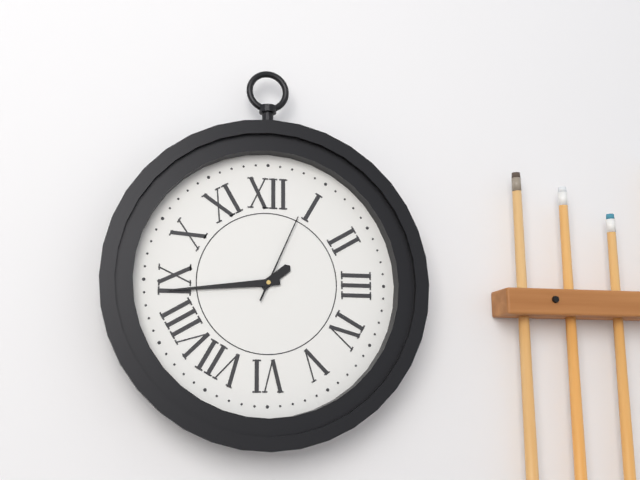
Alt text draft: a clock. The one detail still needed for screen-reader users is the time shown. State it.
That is 1:44:04
